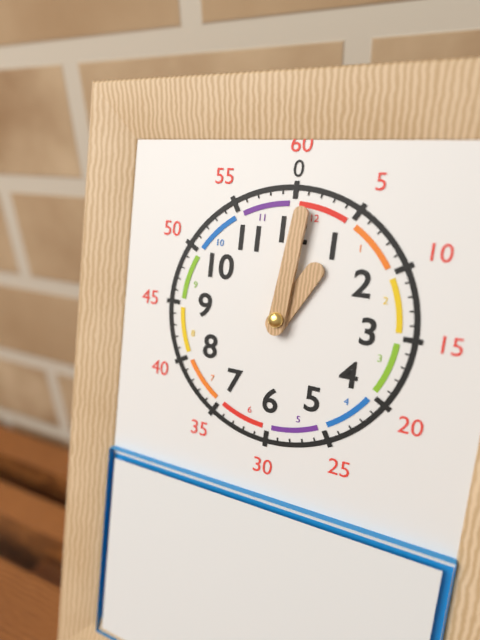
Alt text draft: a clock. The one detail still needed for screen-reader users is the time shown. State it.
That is 1:01
